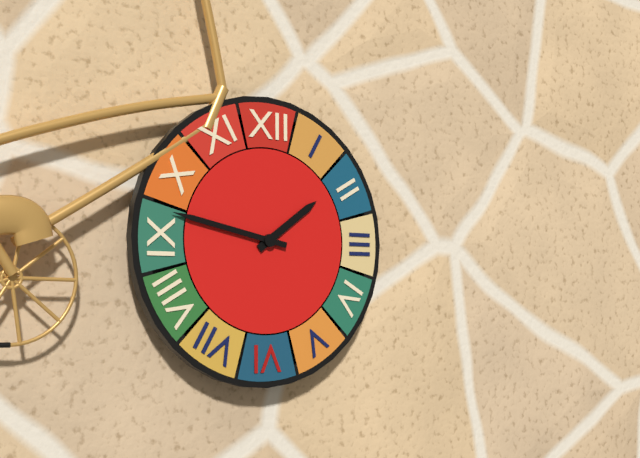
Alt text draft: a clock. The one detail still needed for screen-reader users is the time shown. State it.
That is 1:47
